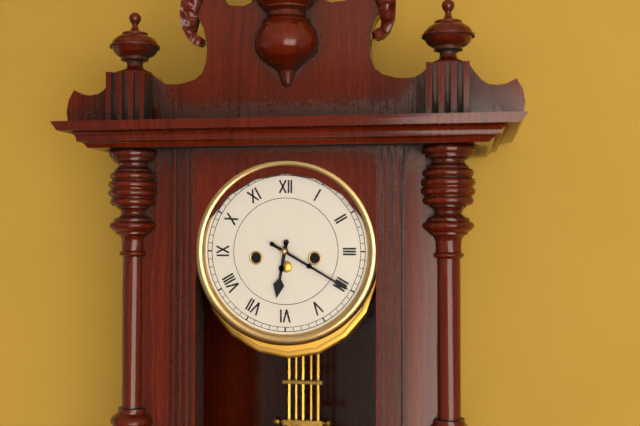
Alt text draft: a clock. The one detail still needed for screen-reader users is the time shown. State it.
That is 6:20
